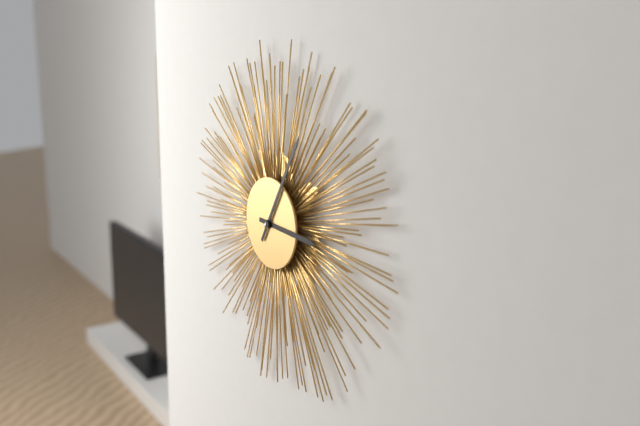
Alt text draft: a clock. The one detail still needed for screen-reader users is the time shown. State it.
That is 3:05
